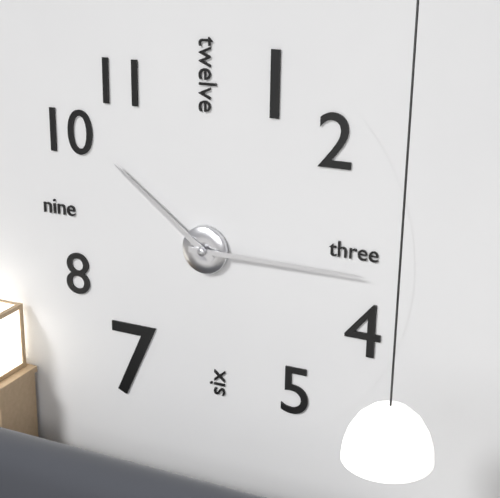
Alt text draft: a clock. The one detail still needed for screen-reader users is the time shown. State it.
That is 10:15
